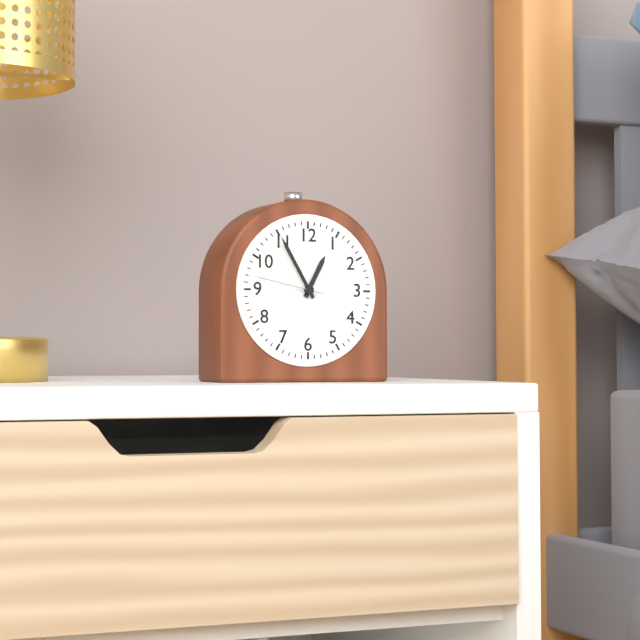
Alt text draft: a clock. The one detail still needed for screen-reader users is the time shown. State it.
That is 12:55:47
